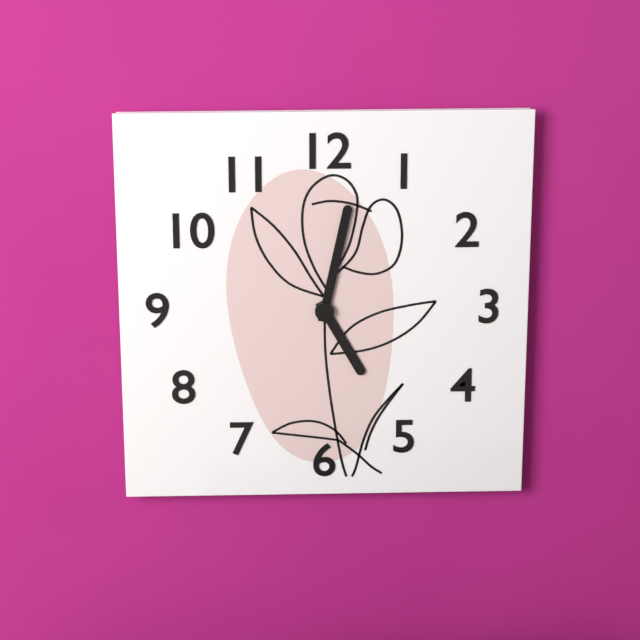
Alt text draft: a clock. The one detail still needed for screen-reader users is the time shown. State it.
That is 5:02
